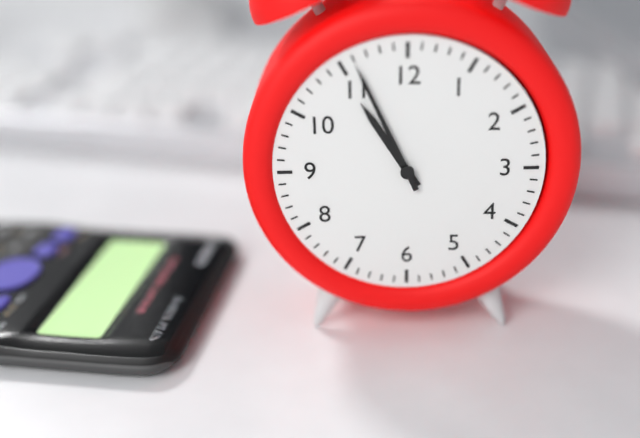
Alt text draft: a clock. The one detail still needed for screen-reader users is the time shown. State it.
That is 10:56
